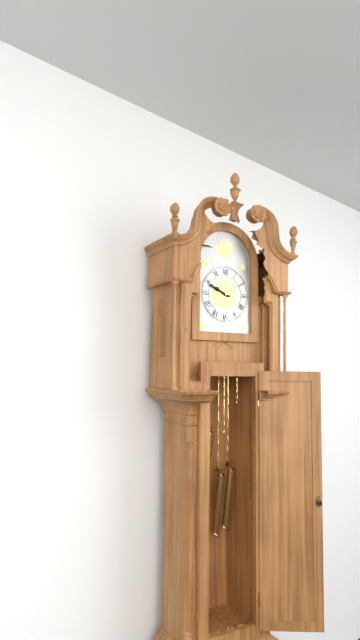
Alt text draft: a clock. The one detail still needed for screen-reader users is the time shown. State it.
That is 9:49
